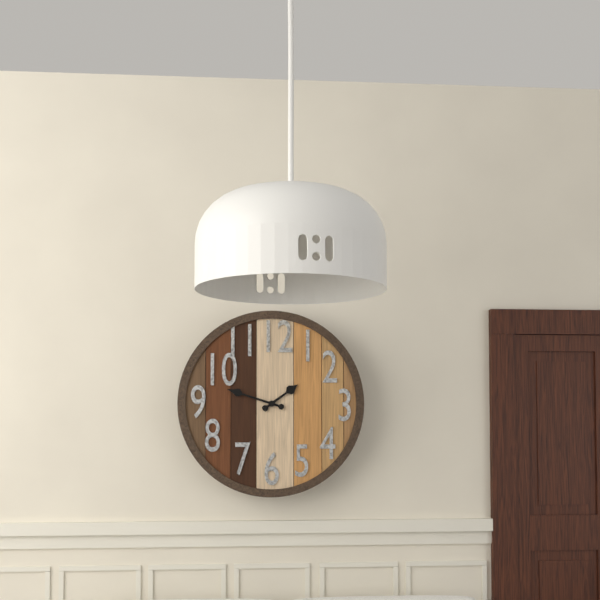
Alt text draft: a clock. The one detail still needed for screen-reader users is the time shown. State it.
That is 1:48
